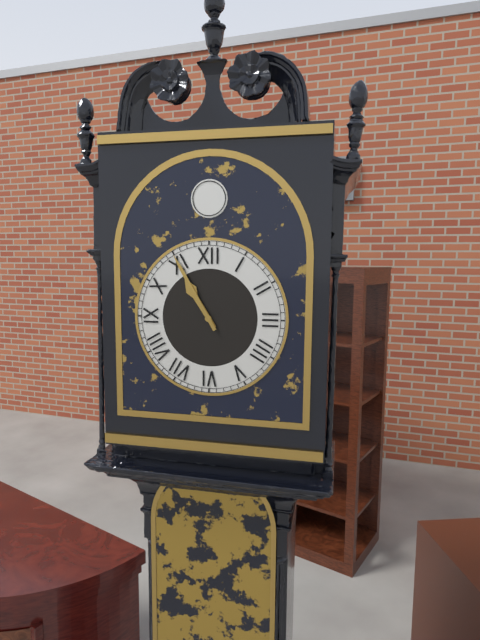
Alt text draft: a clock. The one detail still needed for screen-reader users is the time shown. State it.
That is 10:55
